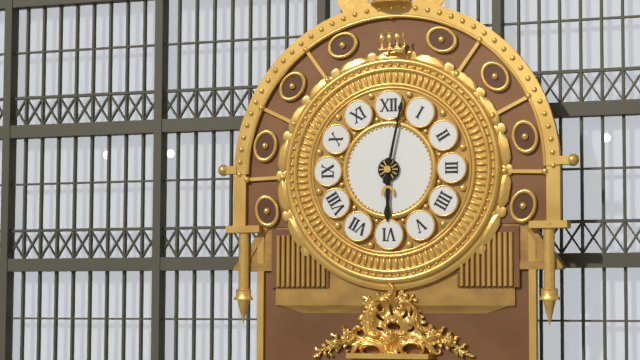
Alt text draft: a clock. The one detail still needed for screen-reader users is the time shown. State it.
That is 6:02
